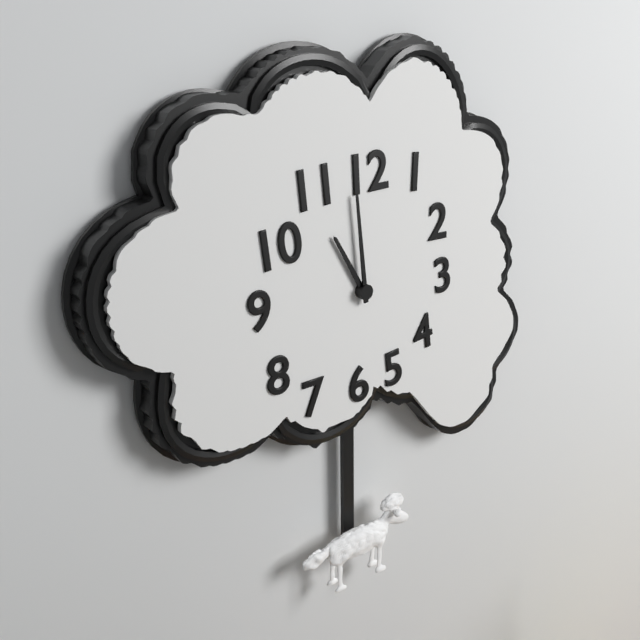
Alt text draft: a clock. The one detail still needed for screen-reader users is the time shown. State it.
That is 10:59
